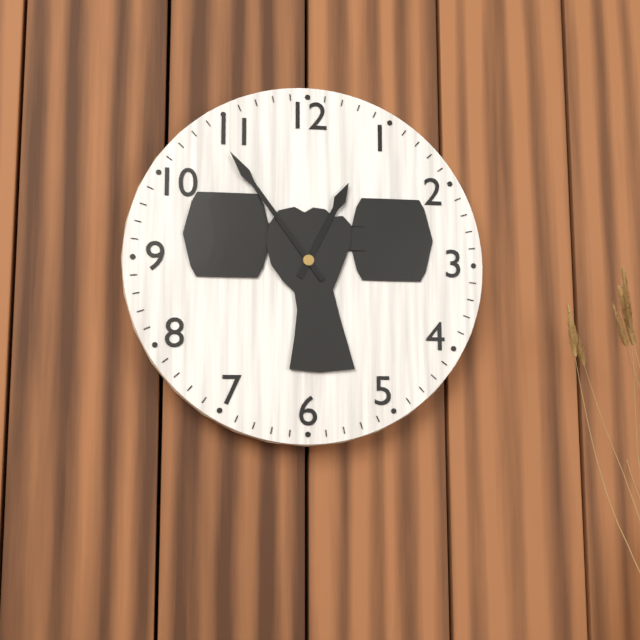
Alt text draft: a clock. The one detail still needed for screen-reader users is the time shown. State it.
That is 12:54
